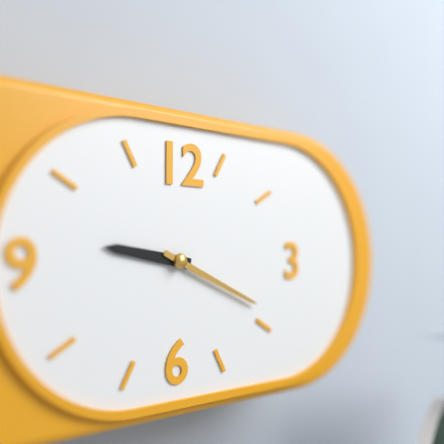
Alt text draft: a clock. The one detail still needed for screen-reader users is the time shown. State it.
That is 9:19
